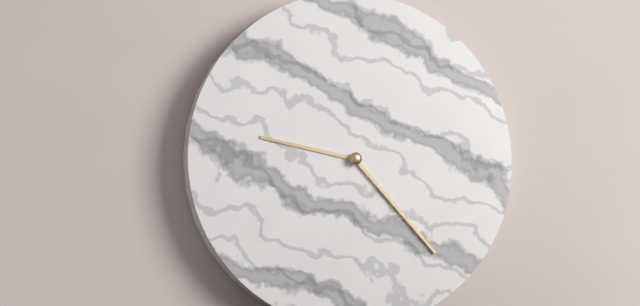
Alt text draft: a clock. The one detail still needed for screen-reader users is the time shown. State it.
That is 9:23
